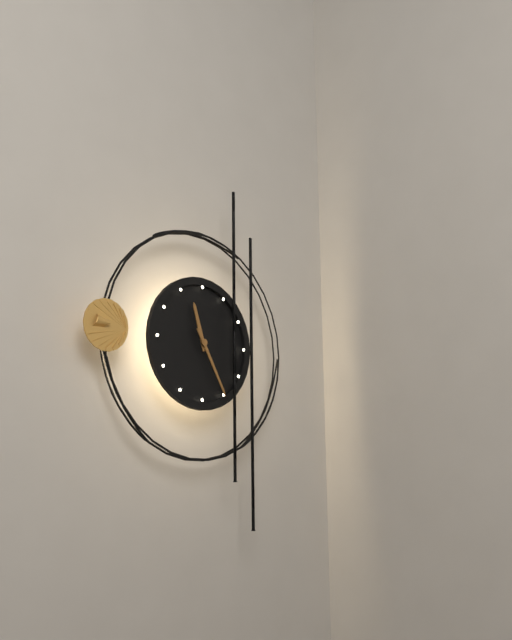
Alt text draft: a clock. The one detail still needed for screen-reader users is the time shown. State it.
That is 11:25
